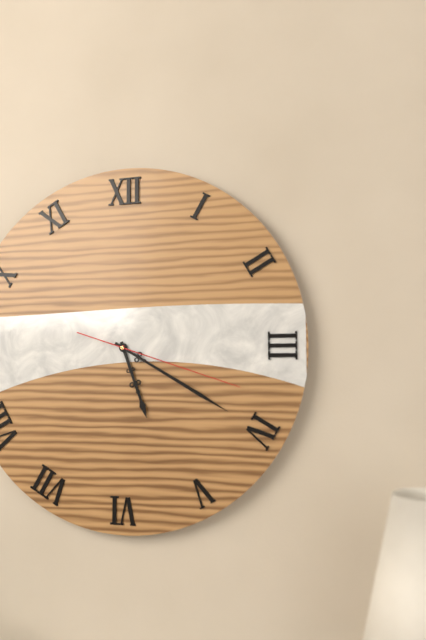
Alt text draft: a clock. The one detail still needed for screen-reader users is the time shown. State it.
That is 5:20:18
